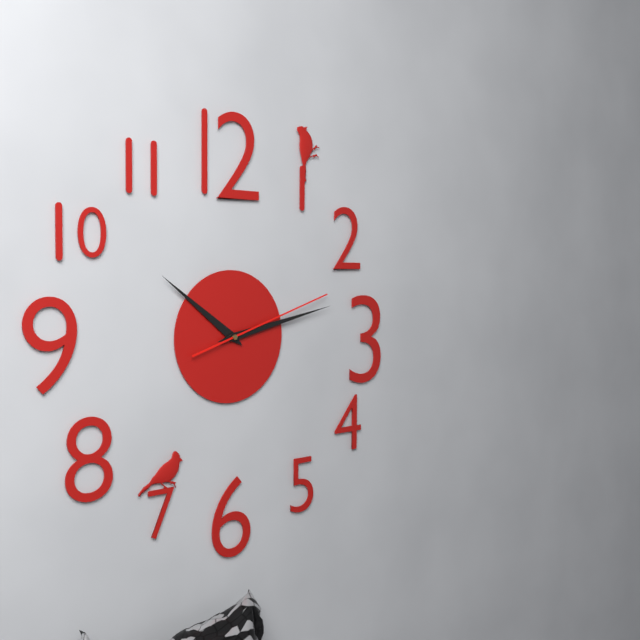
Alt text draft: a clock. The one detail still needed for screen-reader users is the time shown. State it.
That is 10:13:12
